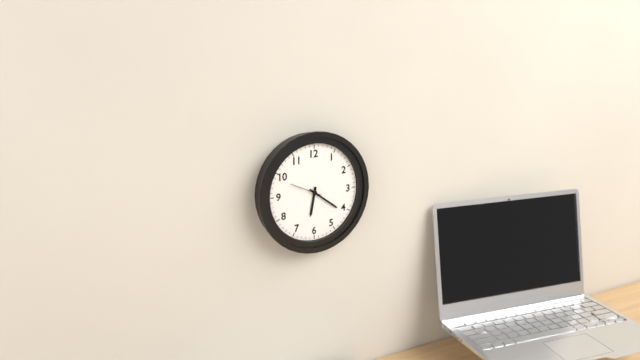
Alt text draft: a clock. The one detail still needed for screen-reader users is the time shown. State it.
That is 6:21
